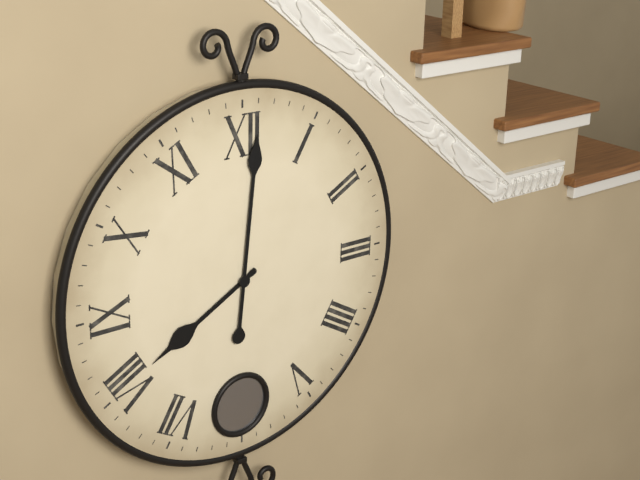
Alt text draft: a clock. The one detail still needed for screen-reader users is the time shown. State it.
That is 8:01
